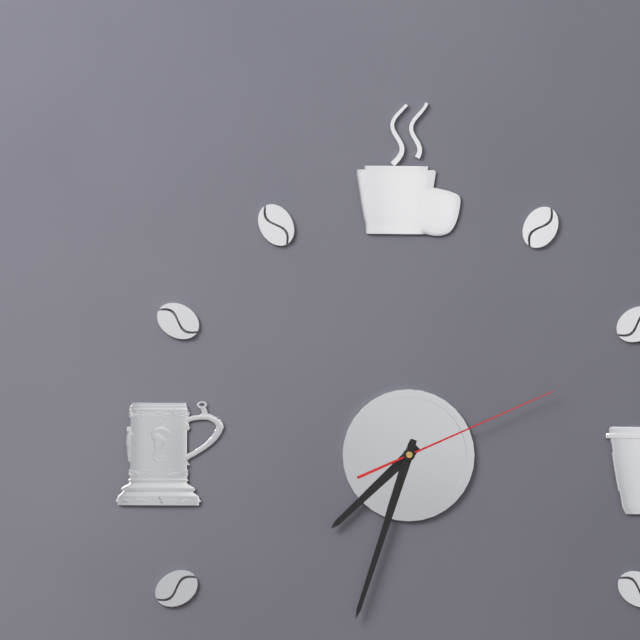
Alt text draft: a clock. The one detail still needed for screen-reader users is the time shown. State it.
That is 7:33:11
